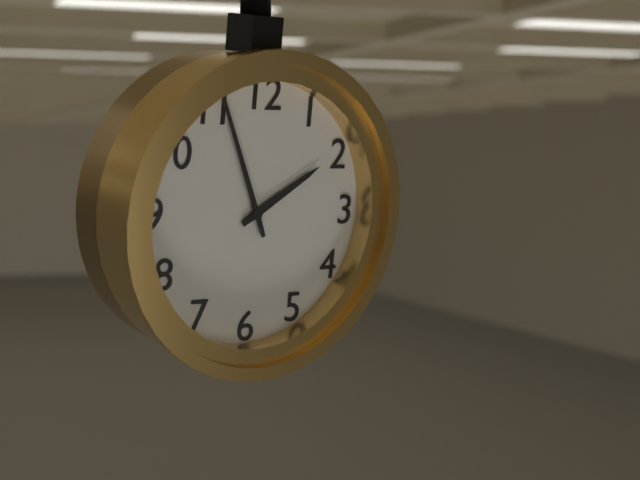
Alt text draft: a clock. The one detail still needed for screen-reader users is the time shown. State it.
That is 1:56
